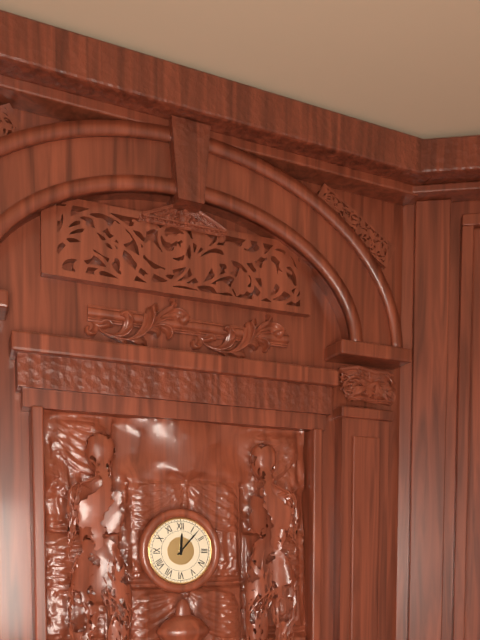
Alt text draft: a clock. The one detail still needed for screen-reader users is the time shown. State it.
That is 12:07
